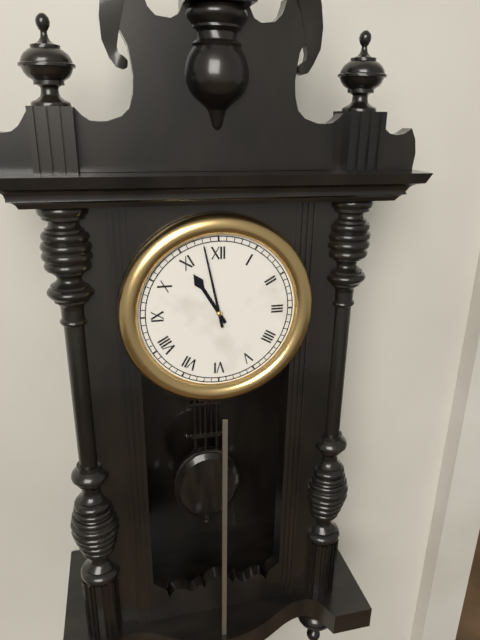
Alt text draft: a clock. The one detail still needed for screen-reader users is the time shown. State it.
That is 10:58
